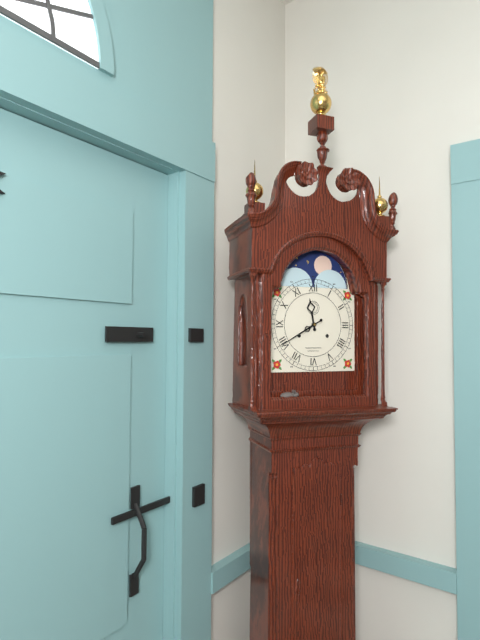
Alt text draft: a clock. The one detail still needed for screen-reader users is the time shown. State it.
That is 11:40
